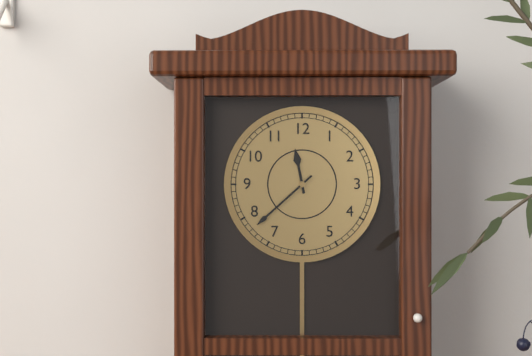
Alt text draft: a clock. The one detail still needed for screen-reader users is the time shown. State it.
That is 11:38
